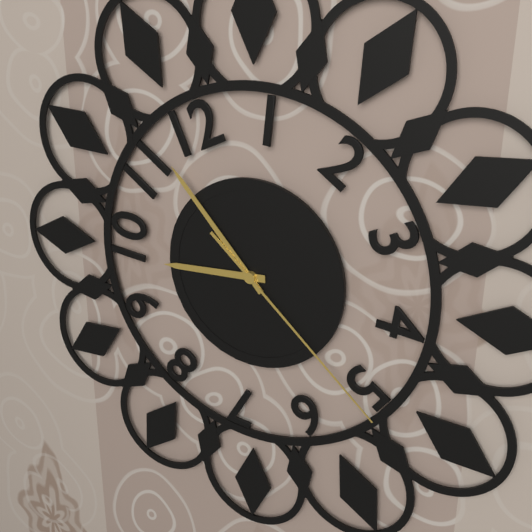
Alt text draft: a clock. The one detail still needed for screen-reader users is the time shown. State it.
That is 8:53:22
